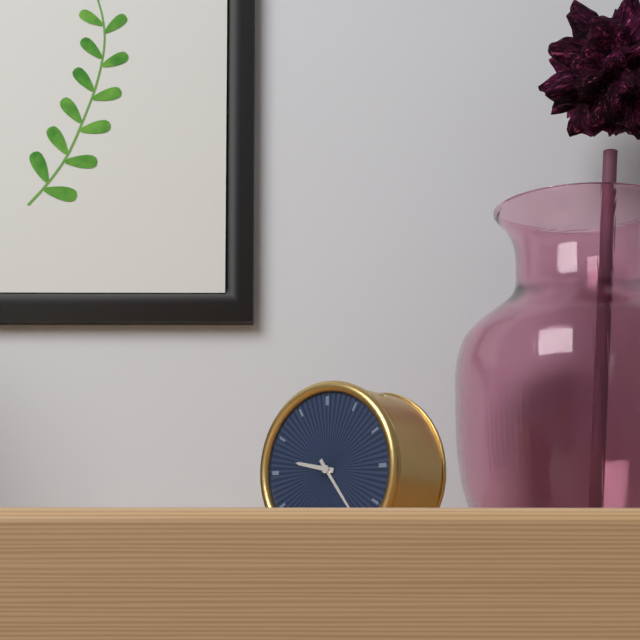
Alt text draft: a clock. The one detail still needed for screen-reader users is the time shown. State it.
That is 9:24
